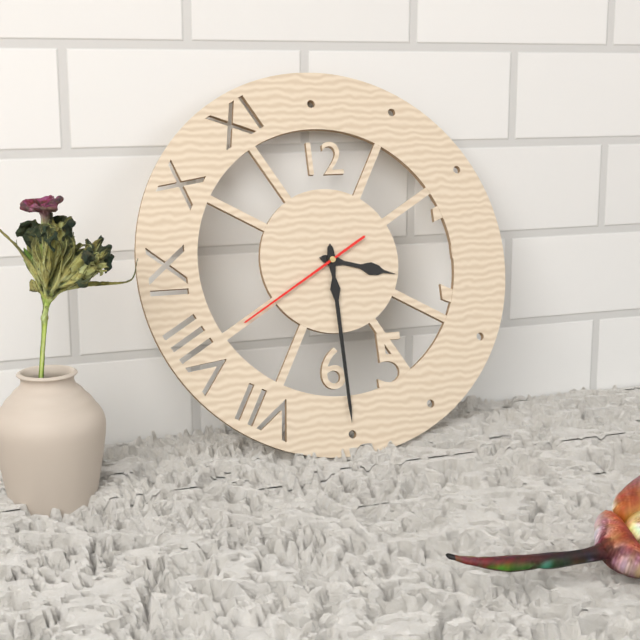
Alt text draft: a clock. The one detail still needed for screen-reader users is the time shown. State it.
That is 3:30:40
